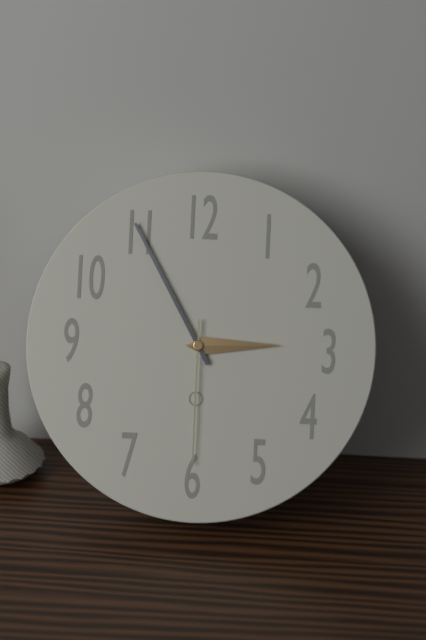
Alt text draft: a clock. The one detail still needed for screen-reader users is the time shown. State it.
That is 2:55:30
